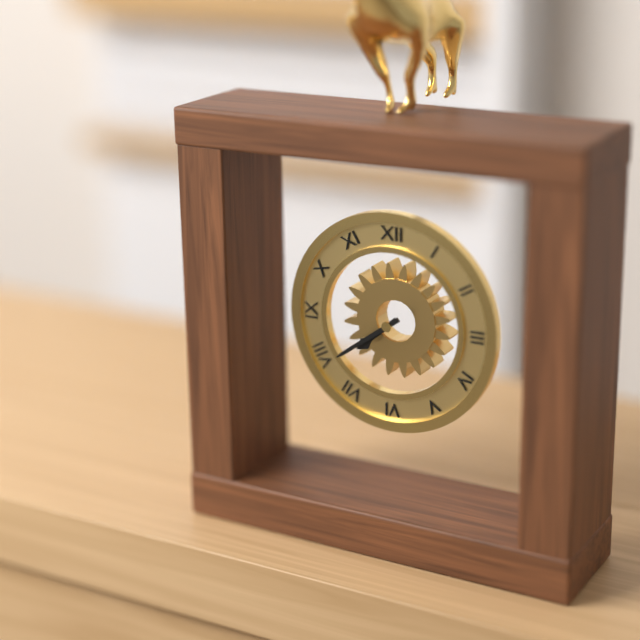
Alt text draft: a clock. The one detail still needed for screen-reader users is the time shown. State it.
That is 7:39
